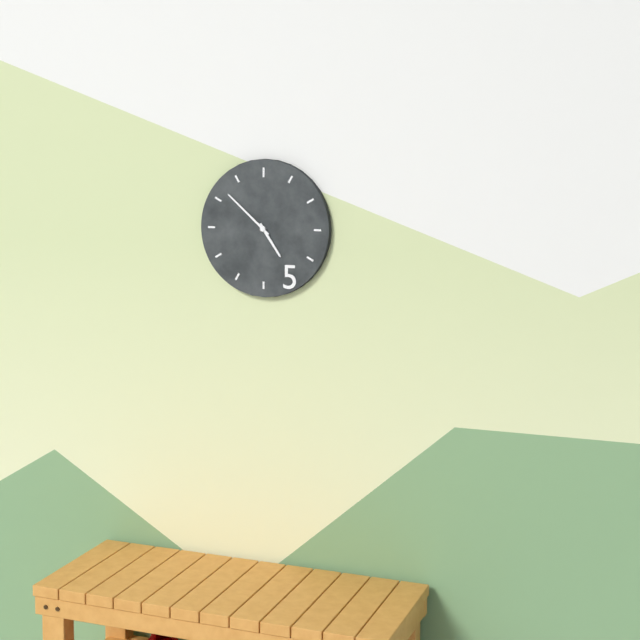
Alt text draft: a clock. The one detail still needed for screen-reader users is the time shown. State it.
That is 4:52
